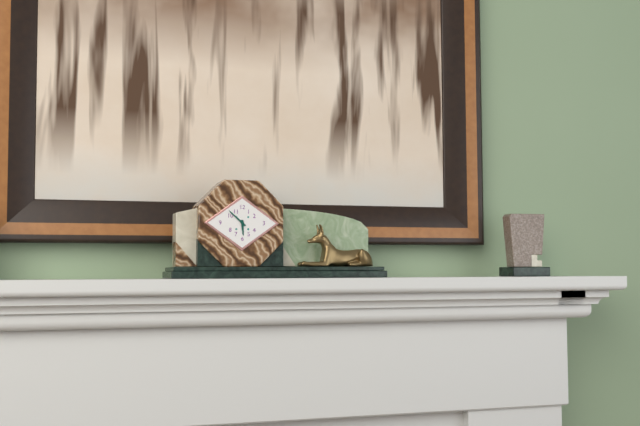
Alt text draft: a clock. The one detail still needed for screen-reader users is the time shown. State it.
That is 5:52
